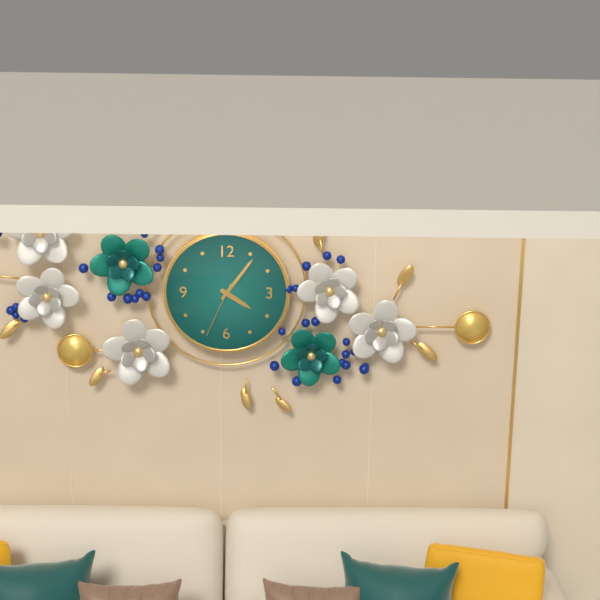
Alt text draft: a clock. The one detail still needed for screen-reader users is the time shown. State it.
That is 4:06:34
